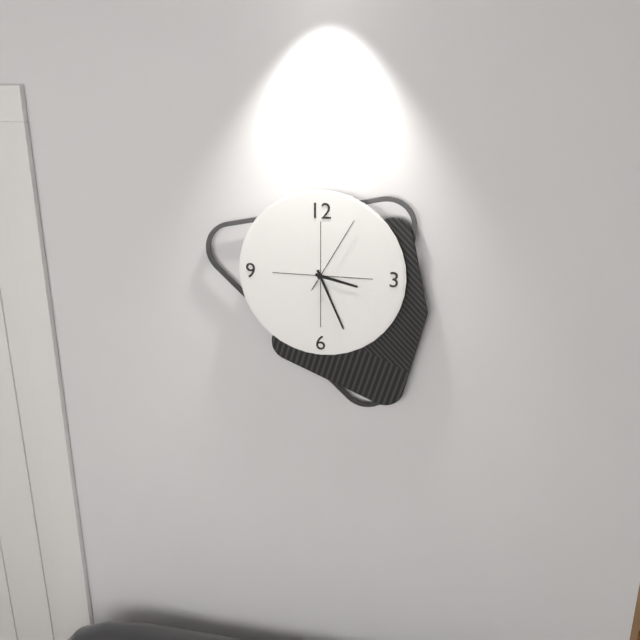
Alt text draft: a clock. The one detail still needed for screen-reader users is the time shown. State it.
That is 3:26:05
